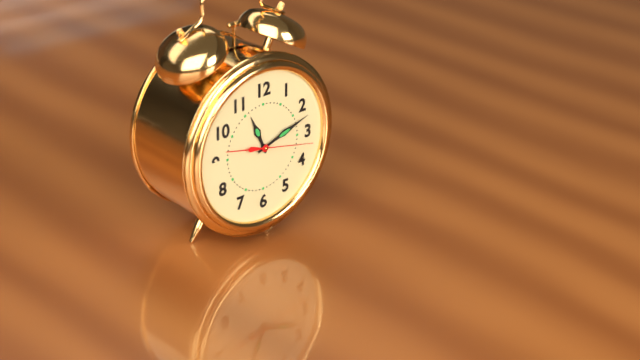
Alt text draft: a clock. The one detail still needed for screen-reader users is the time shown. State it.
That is 11:12:17
